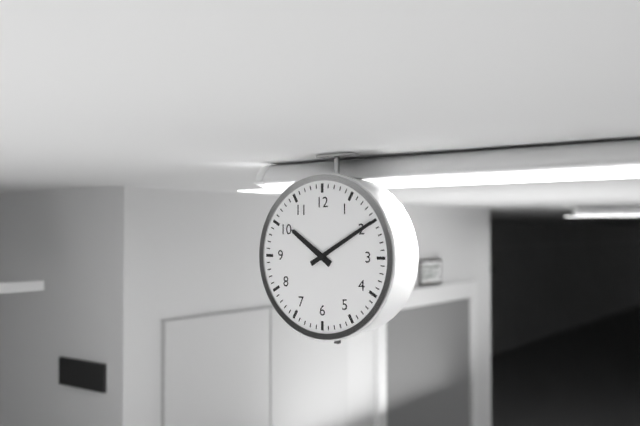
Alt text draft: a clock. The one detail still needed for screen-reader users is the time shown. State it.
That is 10:10
